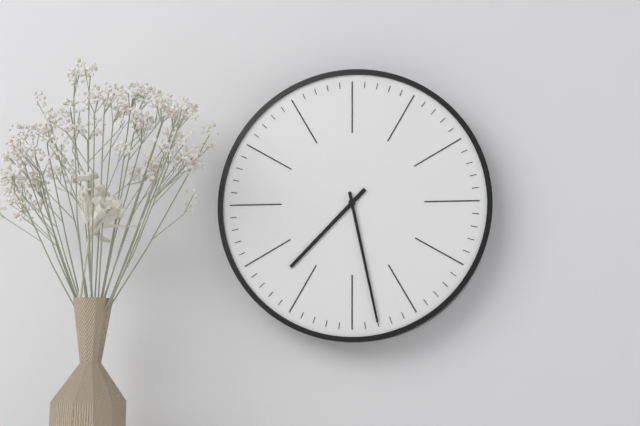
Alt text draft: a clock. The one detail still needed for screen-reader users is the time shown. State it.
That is 7:28
